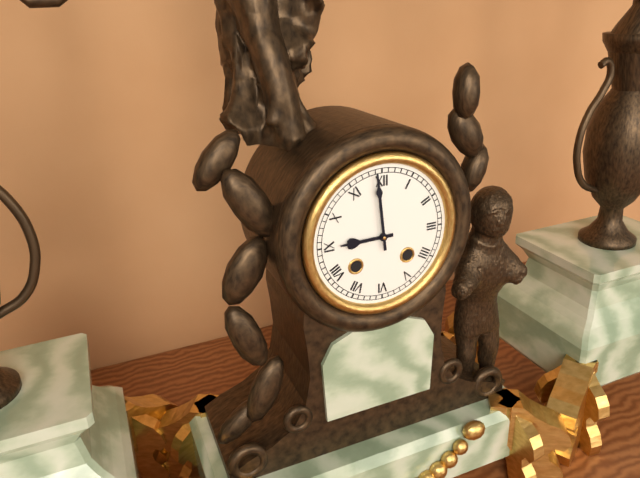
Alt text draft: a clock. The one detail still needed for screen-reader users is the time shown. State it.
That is 8:59
